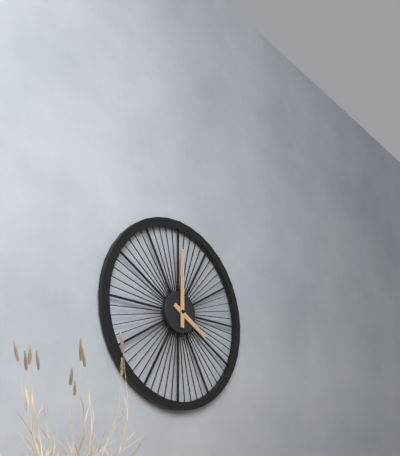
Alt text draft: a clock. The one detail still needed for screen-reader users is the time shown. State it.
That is 4:00
